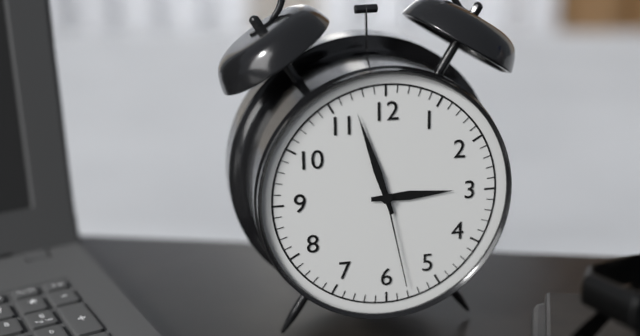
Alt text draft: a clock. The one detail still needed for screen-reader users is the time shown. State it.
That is 2:57:28
